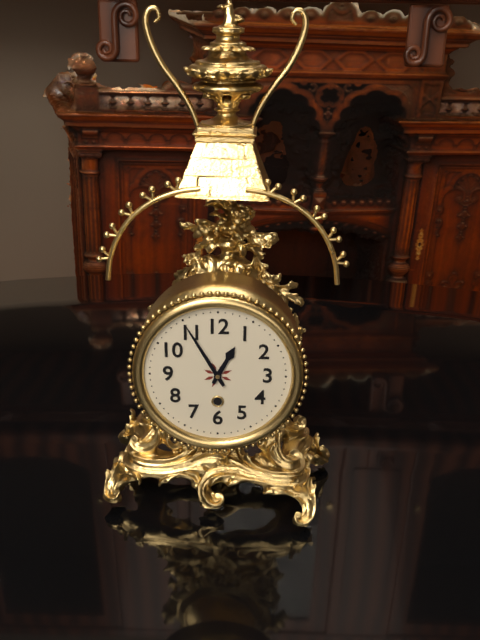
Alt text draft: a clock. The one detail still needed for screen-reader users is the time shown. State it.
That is 12:55
